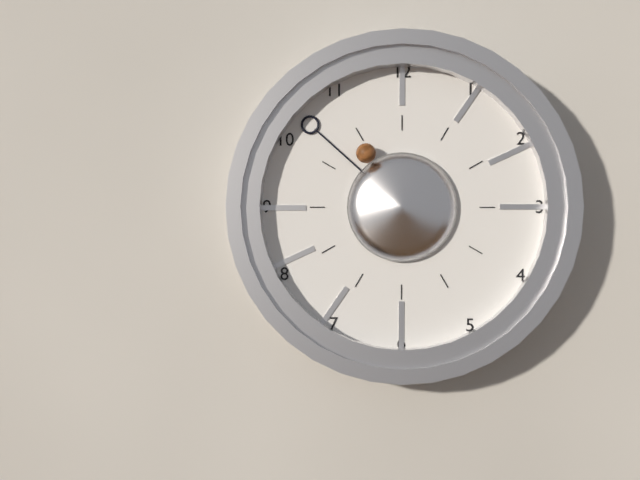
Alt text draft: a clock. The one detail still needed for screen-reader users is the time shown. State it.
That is 10:52
